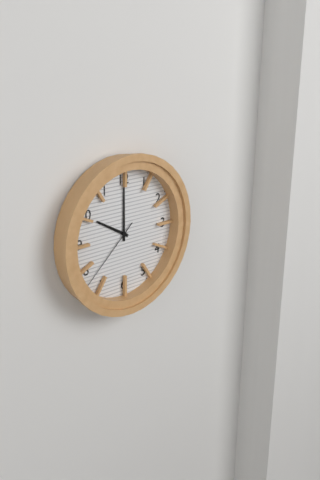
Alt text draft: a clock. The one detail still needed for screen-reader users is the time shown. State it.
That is 10:00:38
